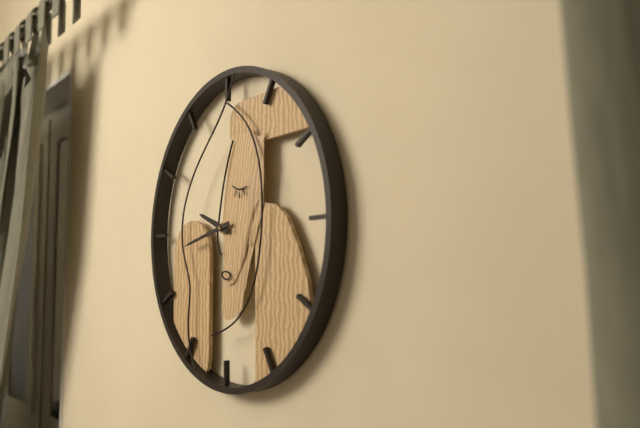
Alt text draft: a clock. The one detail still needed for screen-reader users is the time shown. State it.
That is 9:43
